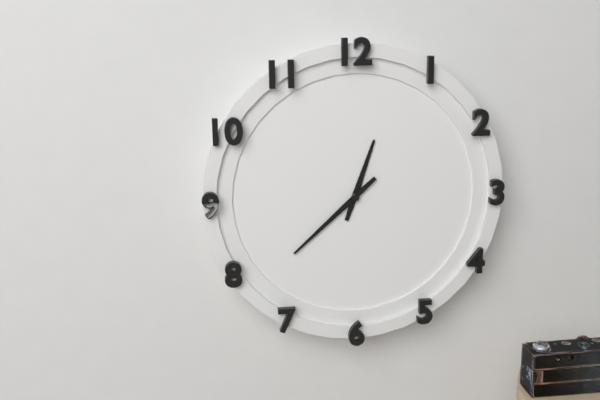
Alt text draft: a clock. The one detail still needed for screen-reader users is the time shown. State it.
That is 12:38
